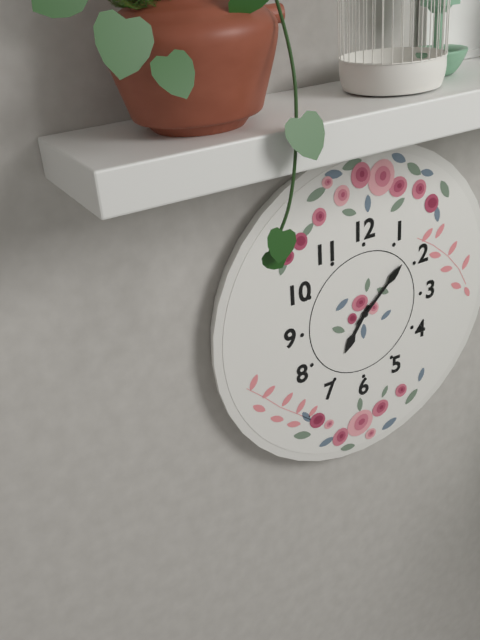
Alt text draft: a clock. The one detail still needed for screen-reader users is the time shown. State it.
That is 7:08
